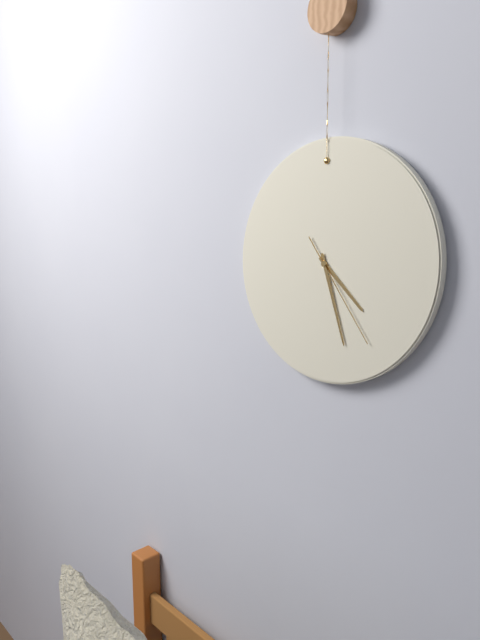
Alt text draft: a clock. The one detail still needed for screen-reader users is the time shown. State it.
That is 4:27:24
